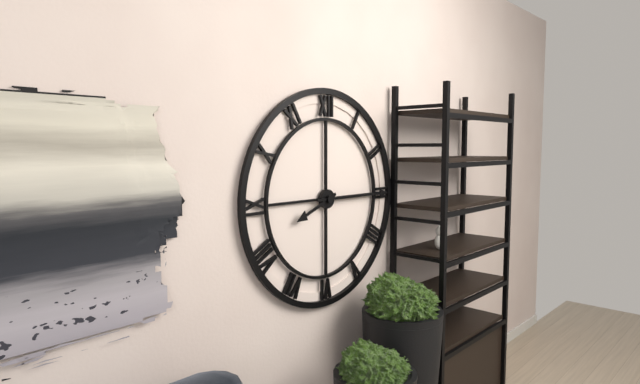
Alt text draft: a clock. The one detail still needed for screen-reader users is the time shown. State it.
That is 8:15
